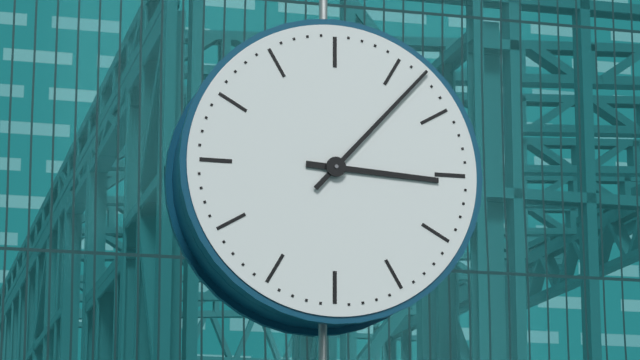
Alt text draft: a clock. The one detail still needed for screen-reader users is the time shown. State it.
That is 3:07
